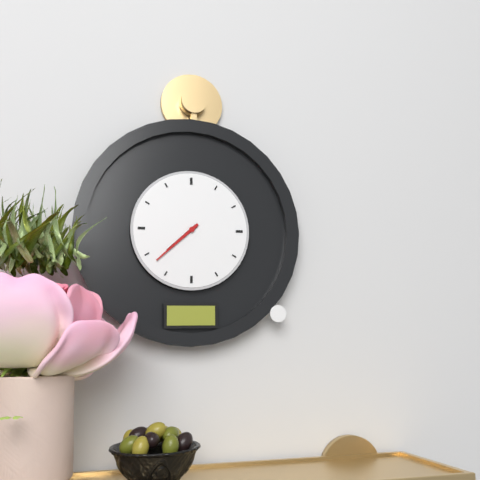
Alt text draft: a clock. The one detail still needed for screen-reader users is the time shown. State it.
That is 7:38
